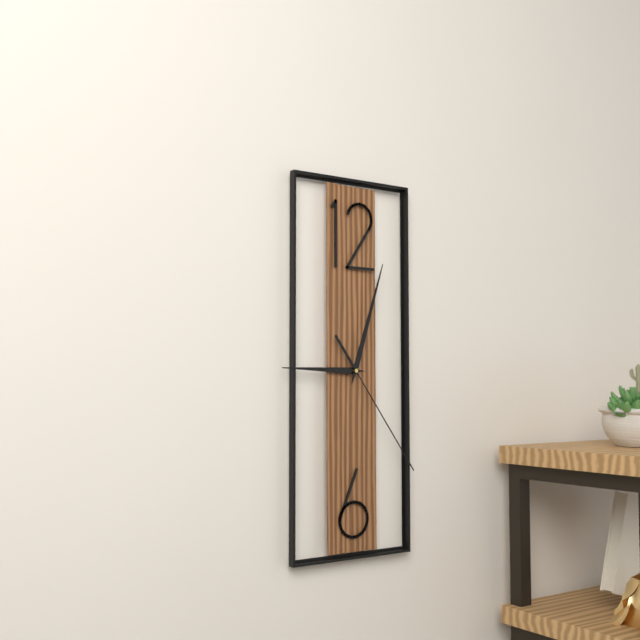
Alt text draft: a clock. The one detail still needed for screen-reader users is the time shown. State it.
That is 9:03:24
